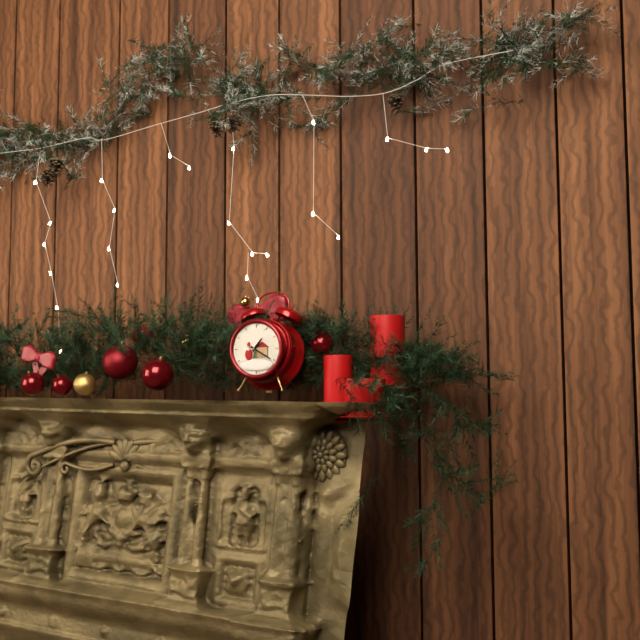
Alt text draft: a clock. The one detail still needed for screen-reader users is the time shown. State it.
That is 1:20
